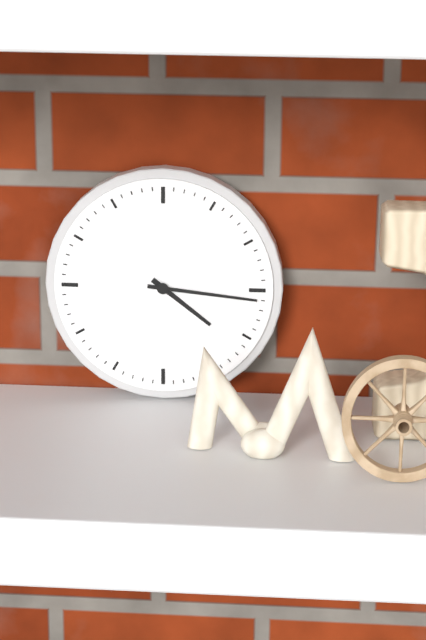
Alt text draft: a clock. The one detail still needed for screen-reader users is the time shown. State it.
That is 4:16
